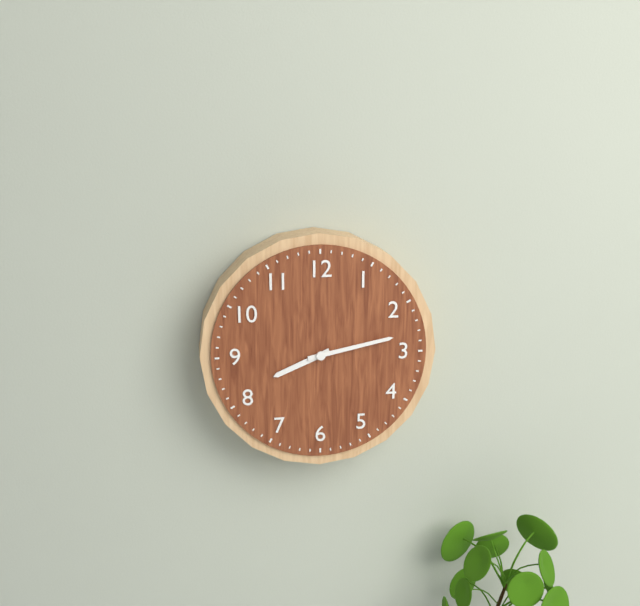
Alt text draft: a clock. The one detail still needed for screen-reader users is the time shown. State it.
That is 8:13
